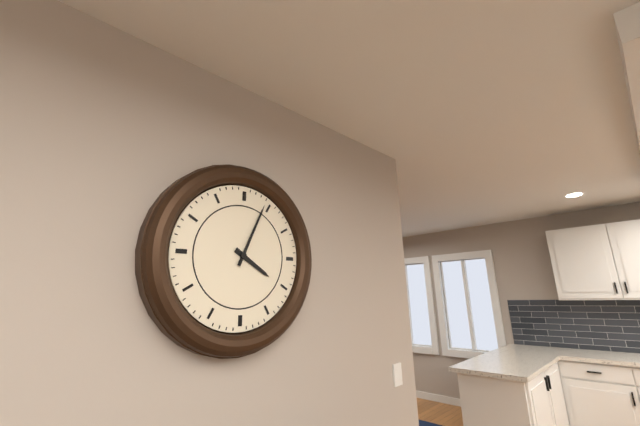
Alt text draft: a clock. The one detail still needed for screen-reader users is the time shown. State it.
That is 4:04
